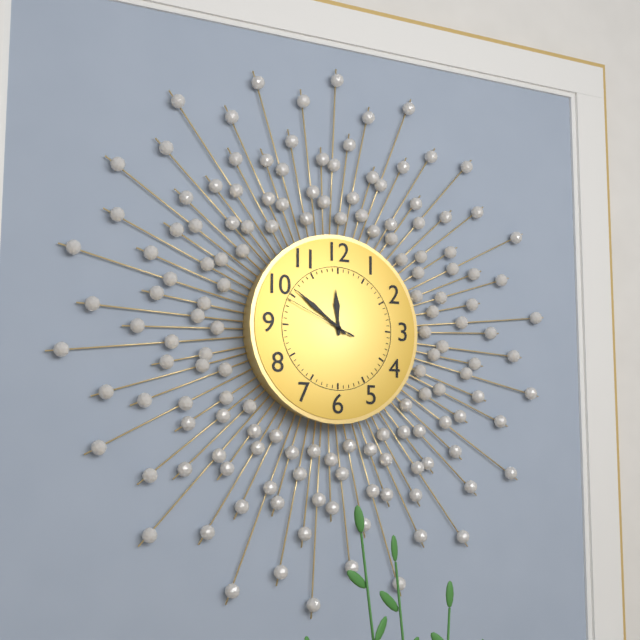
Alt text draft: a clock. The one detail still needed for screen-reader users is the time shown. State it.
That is 11:51:49
